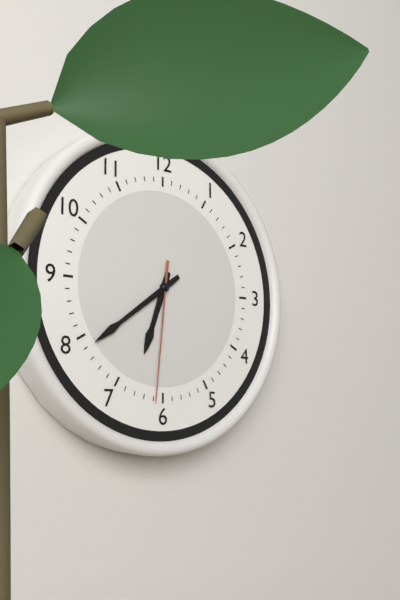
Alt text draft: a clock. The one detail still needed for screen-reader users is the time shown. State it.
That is 6:39:31
